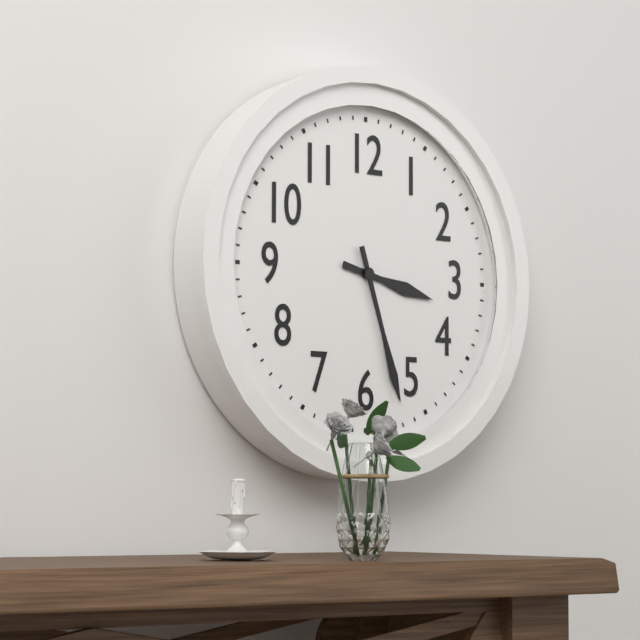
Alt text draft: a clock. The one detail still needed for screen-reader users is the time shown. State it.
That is 3:27
